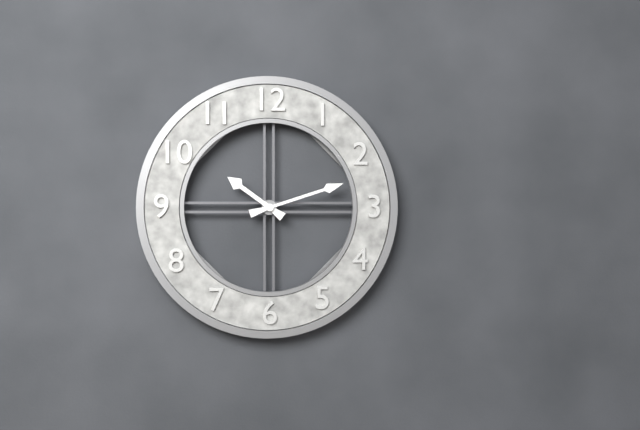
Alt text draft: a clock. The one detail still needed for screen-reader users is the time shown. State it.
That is 10:12
